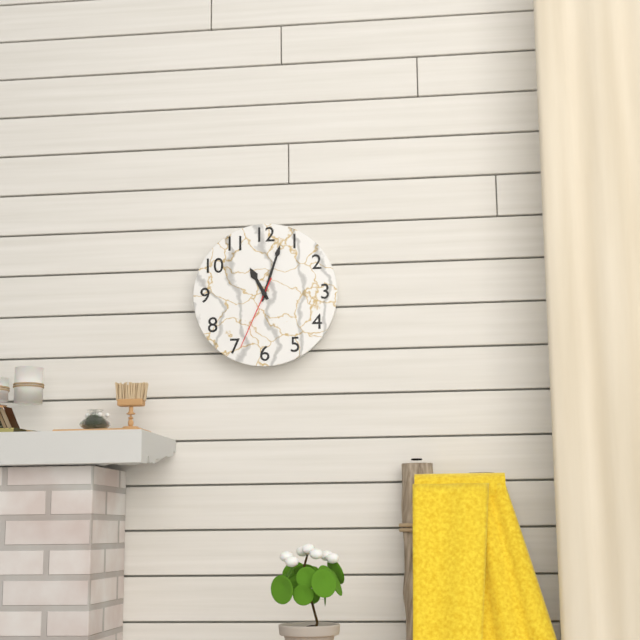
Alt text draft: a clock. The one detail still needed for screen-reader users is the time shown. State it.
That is 11:03:34
